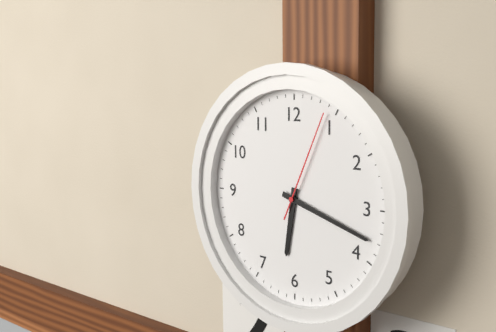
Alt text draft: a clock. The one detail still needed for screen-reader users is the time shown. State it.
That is 6:18:04
